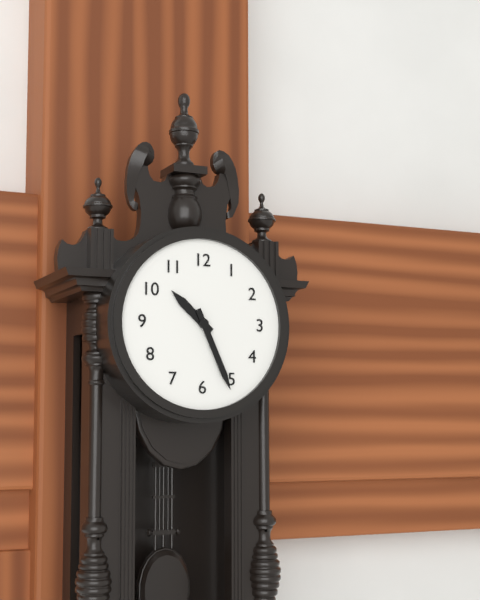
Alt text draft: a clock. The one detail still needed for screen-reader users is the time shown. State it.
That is 10:26
